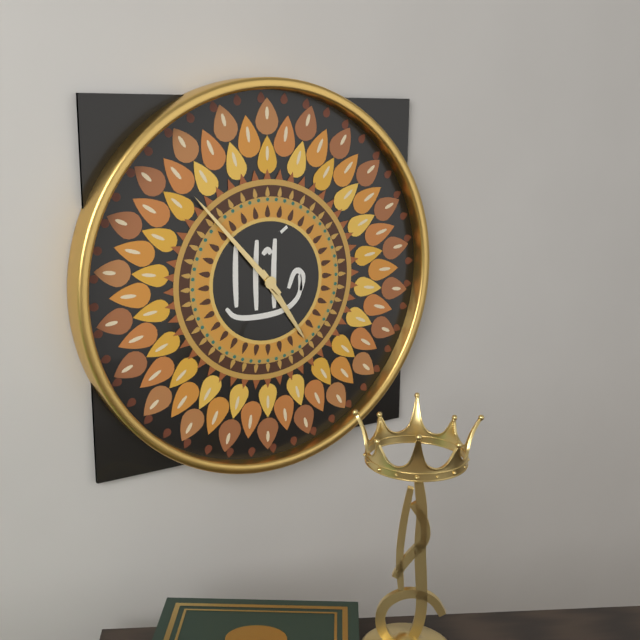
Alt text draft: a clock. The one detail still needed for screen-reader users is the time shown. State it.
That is 4:53
